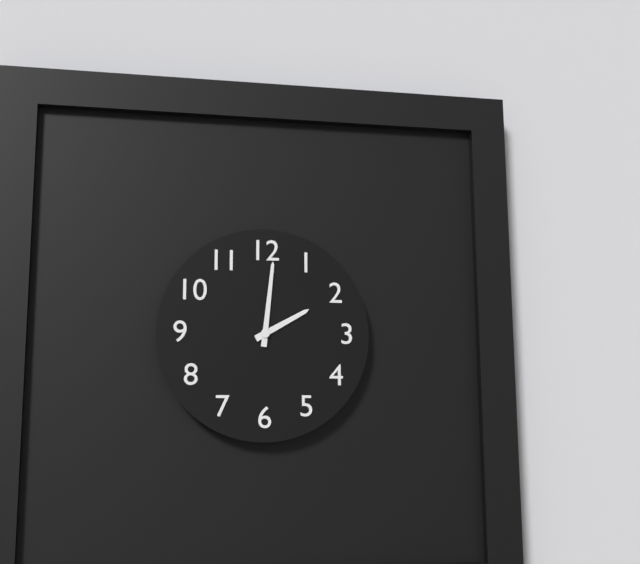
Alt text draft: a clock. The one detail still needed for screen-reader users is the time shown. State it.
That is 2:01
